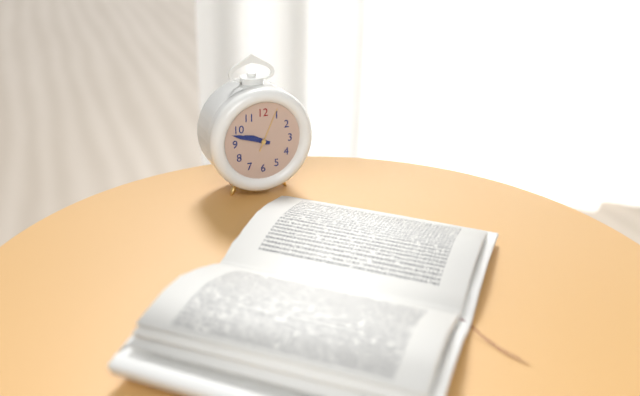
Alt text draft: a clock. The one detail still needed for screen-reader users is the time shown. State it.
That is 9:48
